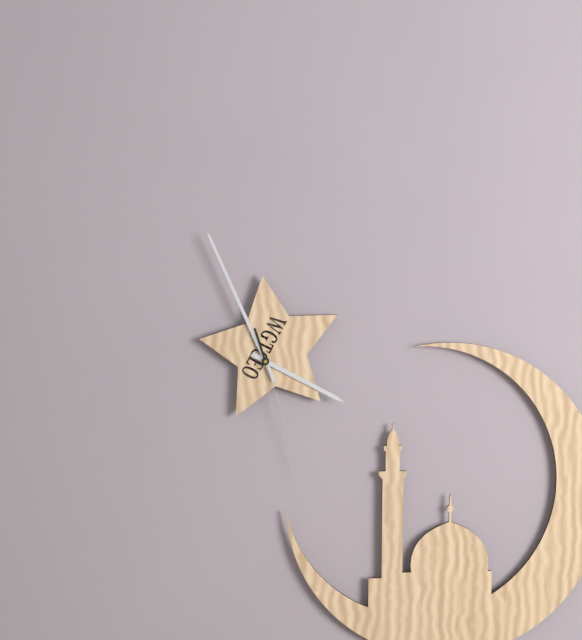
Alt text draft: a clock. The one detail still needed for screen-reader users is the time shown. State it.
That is 3:56:27
